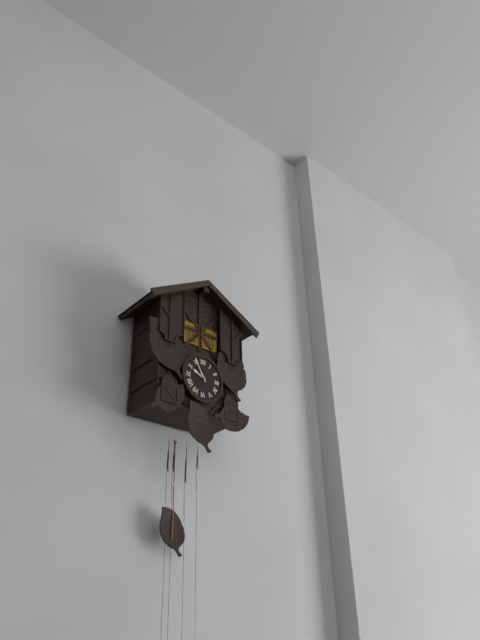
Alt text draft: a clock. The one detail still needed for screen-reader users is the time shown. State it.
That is 9:55
